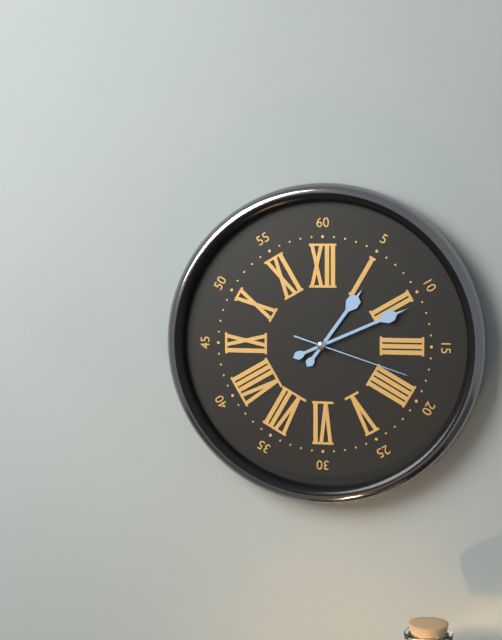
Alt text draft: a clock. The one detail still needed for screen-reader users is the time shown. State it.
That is 1:11:18
